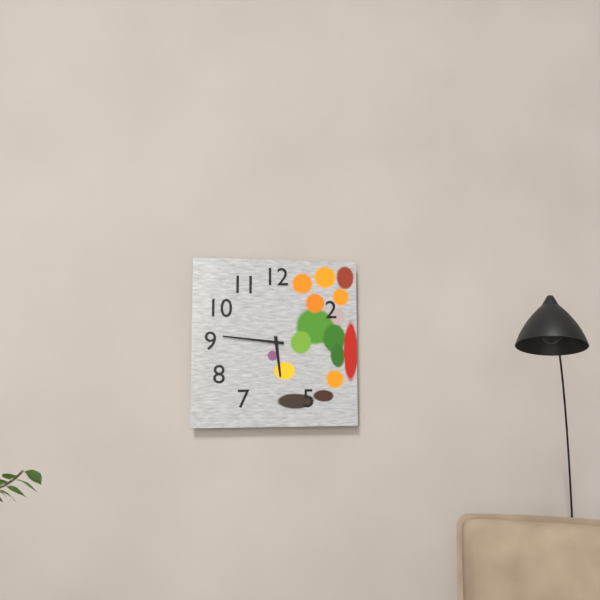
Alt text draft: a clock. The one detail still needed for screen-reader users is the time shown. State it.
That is 5:46
